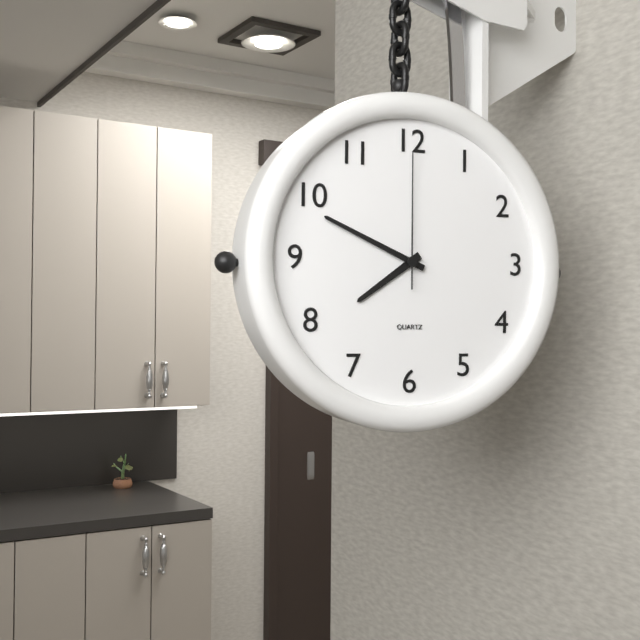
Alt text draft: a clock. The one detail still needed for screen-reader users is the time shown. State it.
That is 7:49:00
